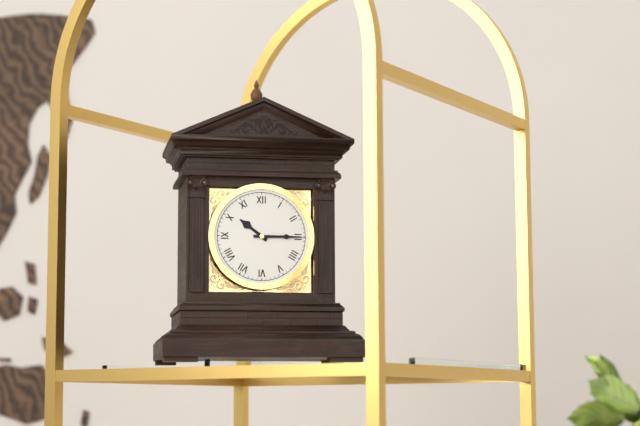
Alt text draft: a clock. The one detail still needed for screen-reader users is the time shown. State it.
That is 10:15
